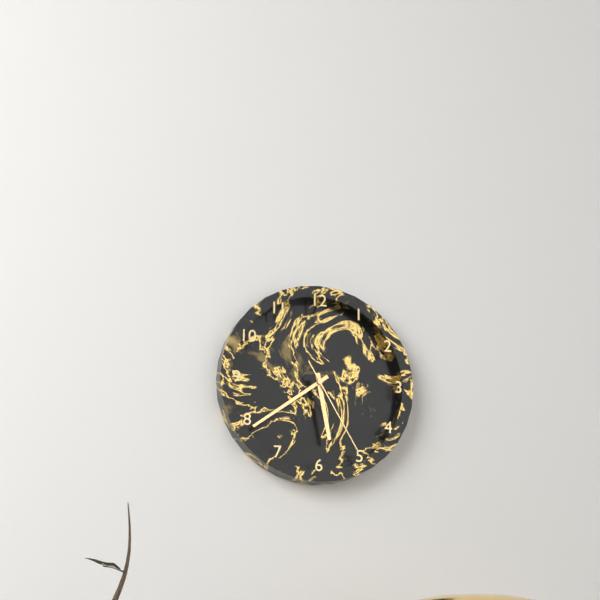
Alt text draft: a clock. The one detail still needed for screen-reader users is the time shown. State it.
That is 5:39:25
